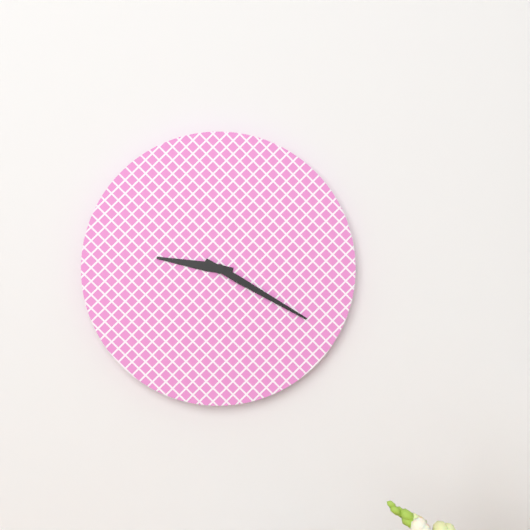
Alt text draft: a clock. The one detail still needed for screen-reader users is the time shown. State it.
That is 9:20
